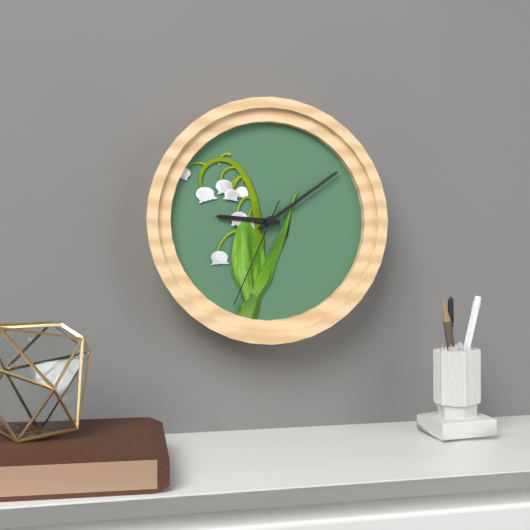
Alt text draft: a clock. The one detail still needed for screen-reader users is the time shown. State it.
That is 9:09:34
